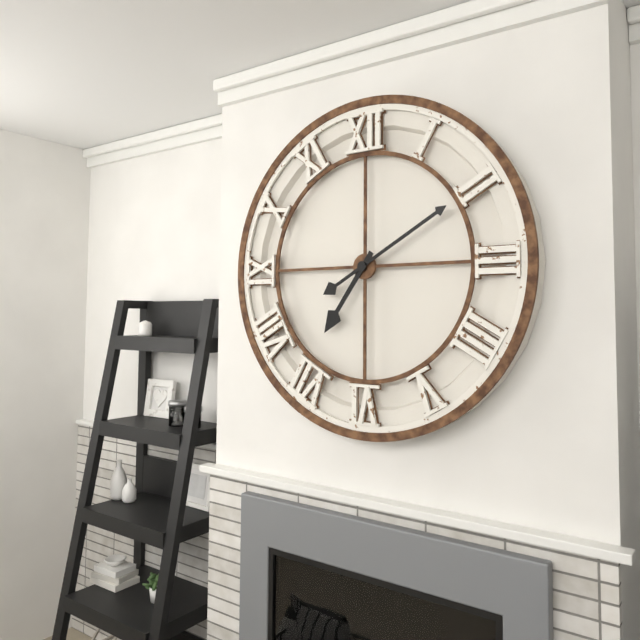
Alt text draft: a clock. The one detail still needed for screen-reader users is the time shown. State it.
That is 7:10
